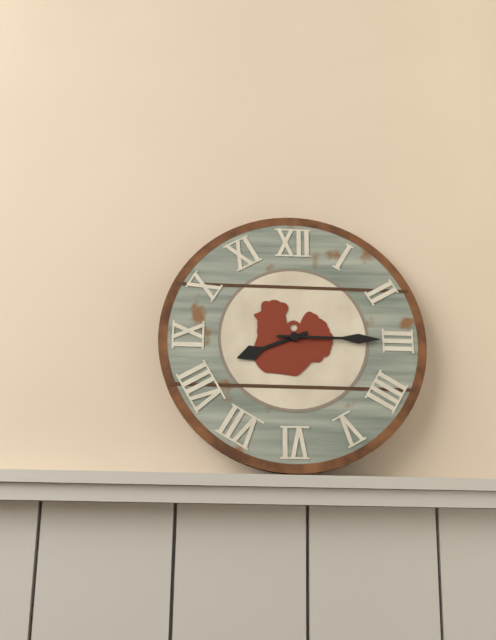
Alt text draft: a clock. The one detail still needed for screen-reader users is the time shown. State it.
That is 8:15
